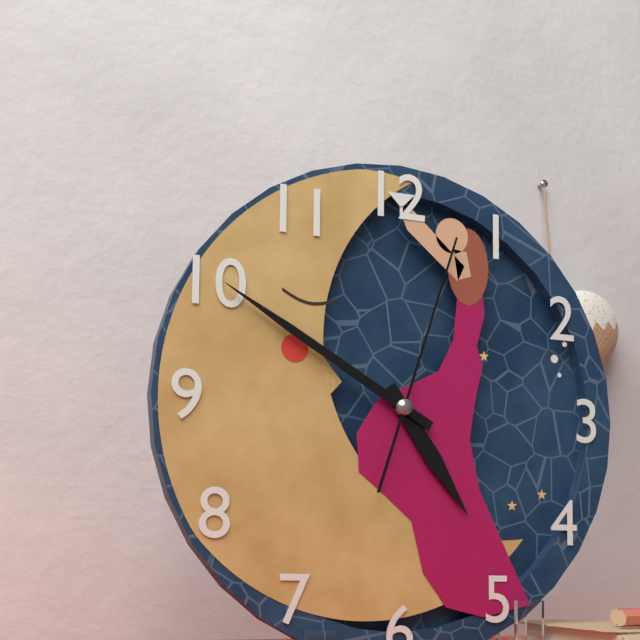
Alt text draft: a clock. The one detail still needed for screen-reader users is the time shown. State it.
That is 4:50:03
